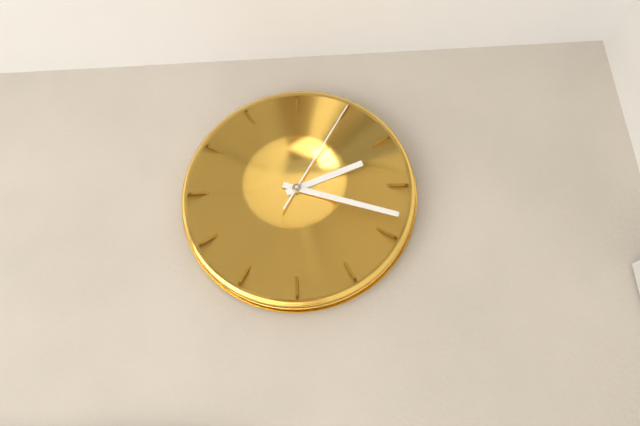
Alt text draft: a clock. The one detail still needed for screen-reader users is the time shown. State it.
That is 2:18:05
